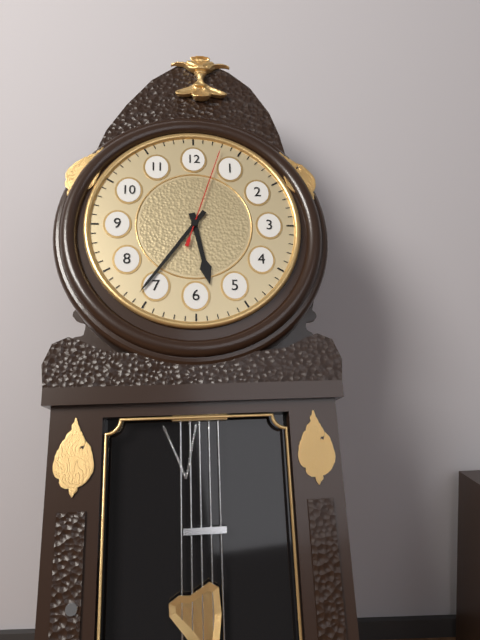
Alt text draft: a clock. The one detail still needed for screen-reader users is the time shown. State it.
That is 5:36:03
